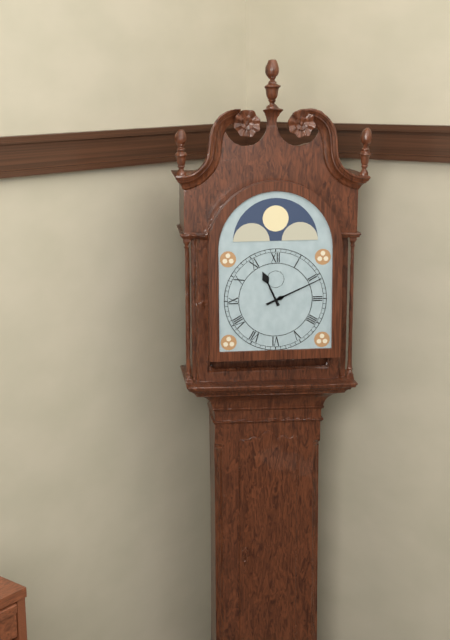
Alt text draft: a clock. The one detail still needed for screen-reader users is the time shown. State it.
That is 11:11
